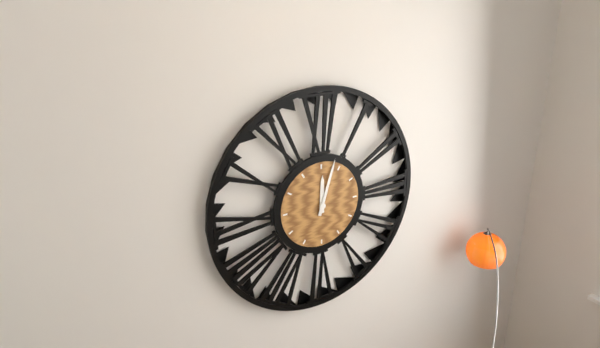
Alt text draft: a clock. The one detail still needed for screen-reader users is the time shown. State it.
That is 12:03
